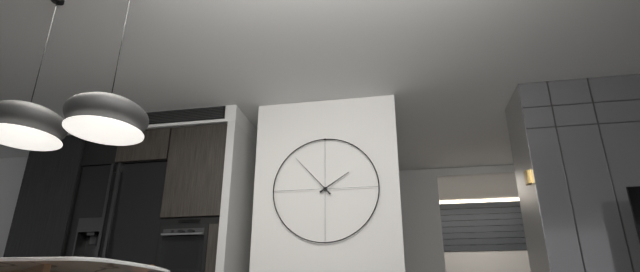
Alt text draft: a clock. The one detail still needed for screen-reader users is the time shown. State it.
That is 1:53
